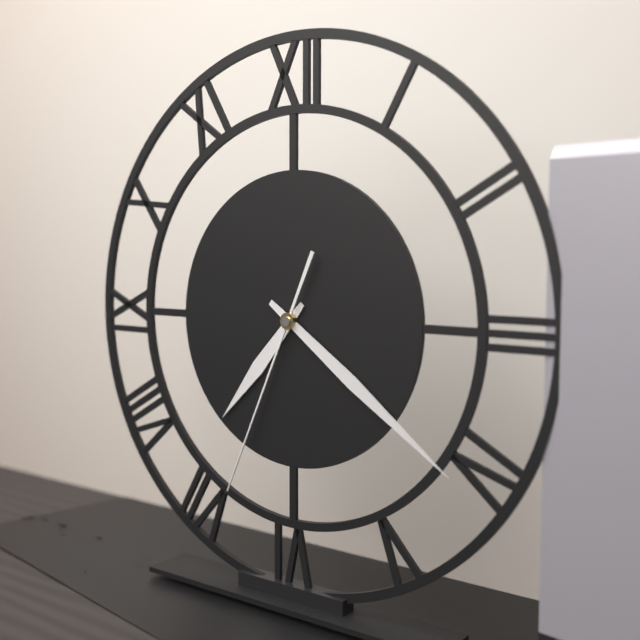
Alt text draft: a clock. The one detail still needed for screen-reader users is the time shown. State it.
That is 7:21:34
